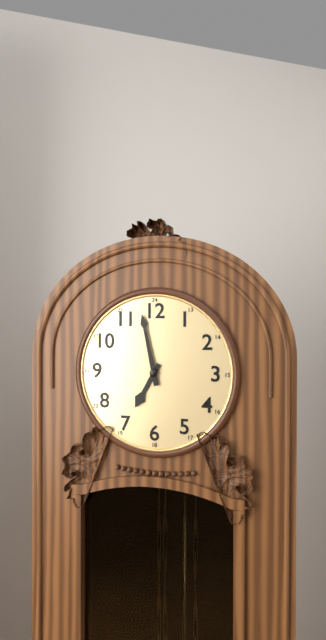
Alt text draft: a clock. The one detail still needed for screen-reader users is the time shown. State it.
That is 6:58
